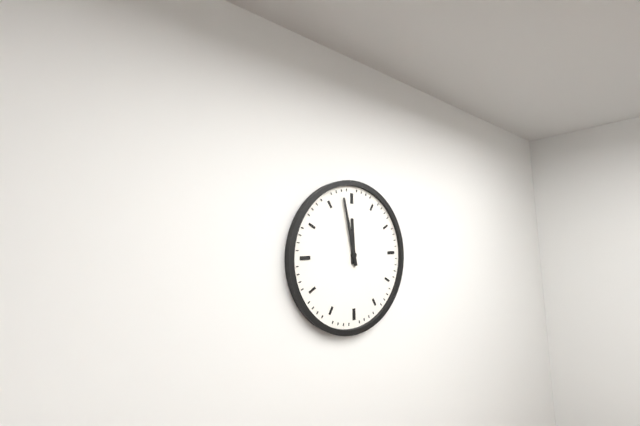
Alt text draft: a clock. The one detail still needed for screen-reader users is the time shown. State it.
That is 11:58
